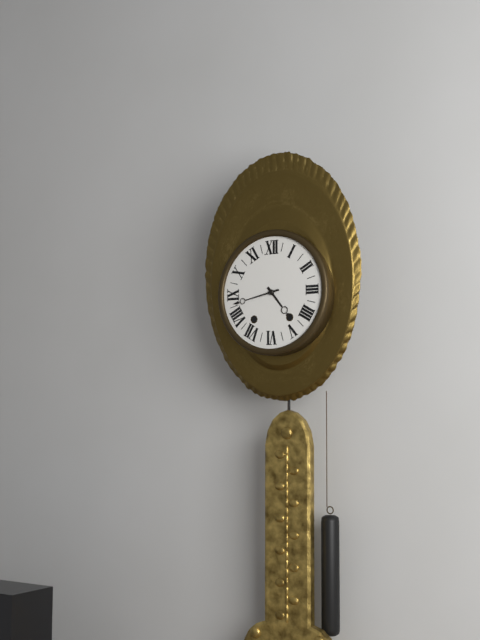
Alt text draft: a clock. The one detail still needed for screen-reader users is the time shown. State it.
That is 4:43
